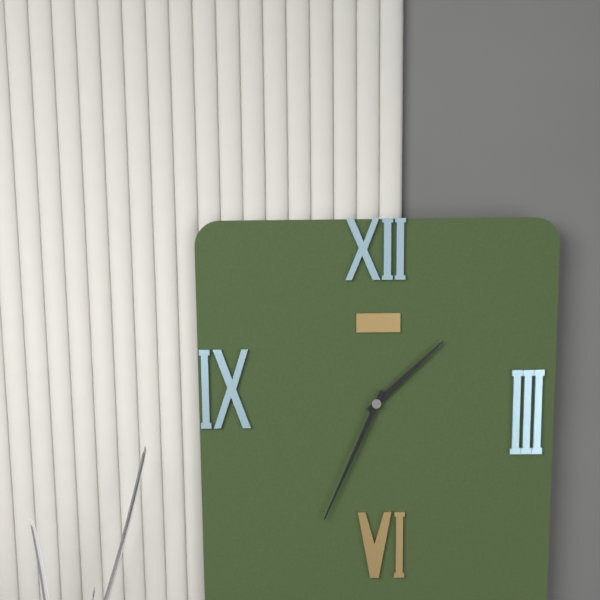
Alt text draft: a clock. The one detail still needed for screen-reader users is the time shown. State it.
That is 1:34
